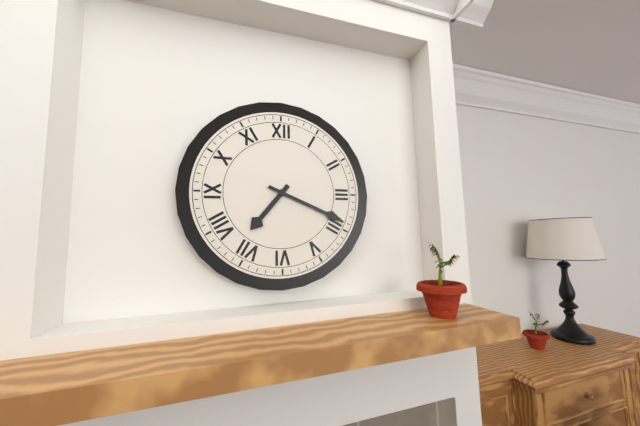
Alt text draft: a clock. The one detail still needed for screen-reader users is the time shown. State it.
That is 7:19
